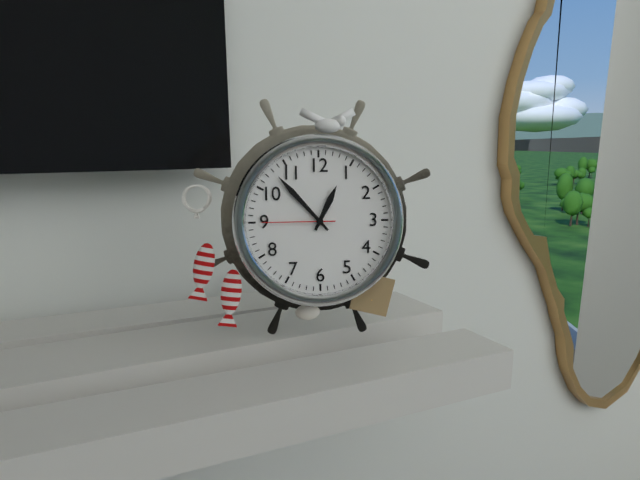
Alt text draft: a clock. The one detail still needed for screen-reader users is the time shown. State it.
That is 12:53:45
